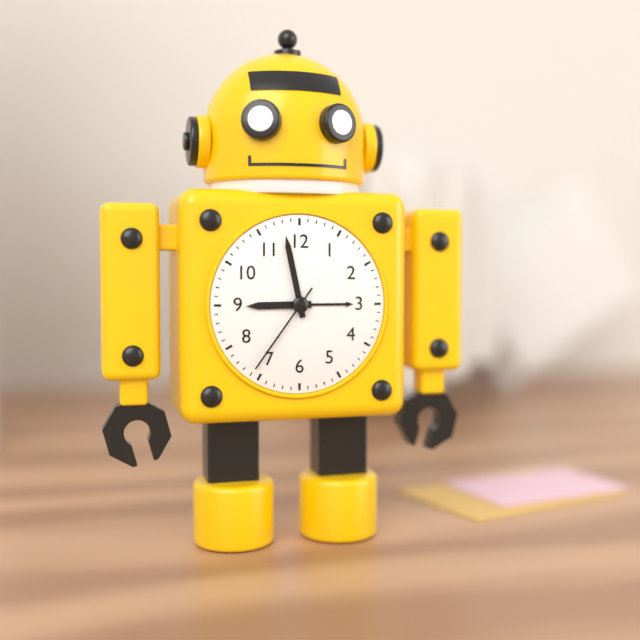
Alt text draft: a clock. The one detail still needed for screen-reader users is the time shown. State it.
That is 8:58:36
